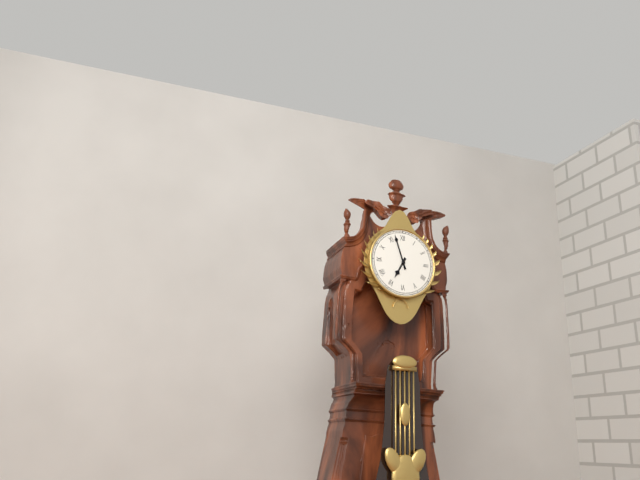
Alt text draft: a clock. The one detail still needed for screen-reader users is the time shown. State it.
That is 6:57
